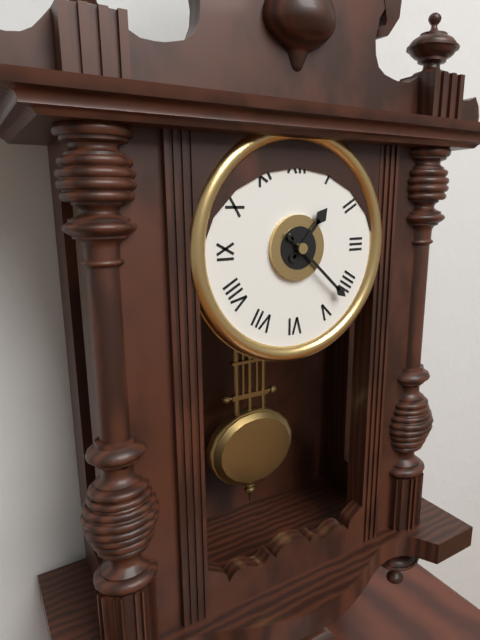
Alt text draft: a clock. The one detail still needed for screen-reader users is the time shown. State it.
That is 1:22
